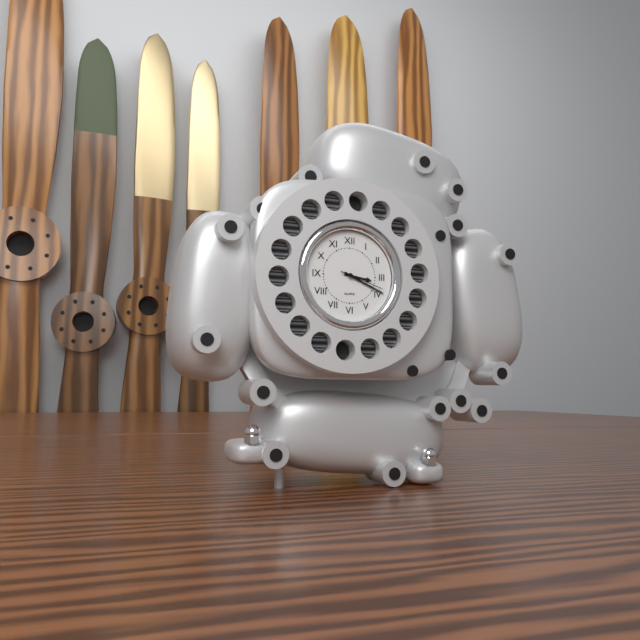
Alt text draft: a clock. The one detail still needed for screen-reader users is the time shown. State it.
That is 3:19
